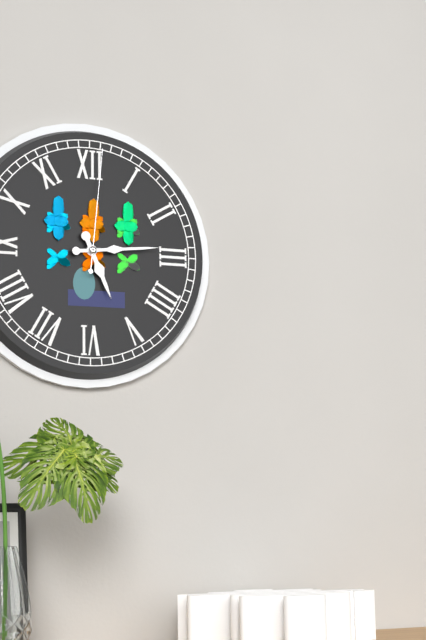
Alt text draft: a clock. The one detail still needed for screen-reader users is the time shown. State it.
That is 5:14:01
